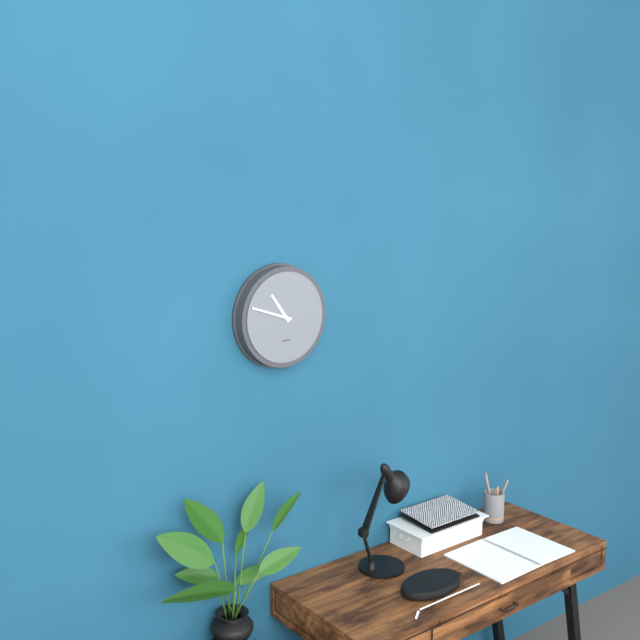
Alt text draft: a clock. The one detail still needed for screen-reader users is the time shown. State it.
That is 10:48
